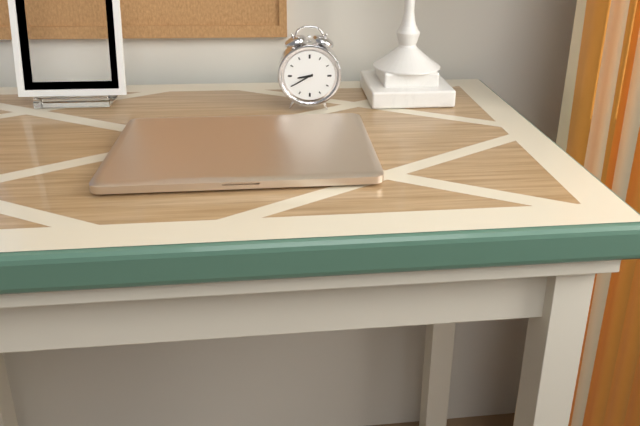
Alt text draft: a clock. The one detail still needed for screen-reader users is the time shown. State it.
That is 8:40
